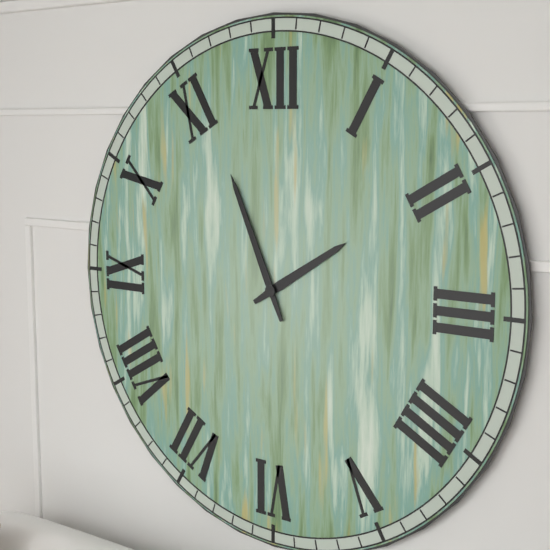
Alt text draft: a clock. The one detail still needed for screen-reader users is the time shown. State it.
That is 1:56
